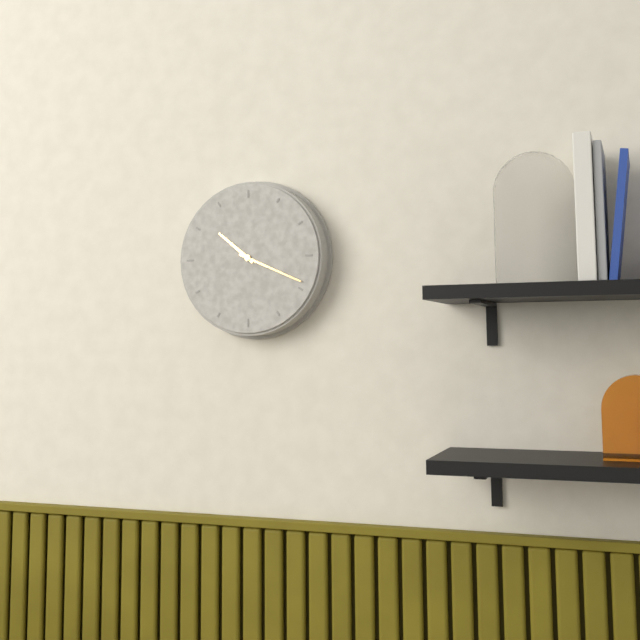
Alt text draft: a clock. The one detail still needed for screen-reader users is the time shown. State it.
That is 10:19
